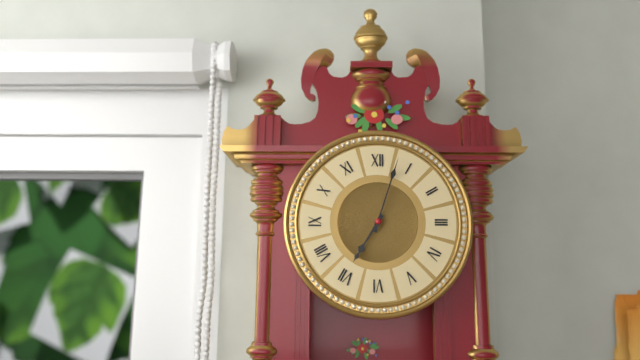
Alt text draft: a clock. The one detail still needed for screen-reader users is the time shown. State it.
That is 7:03
